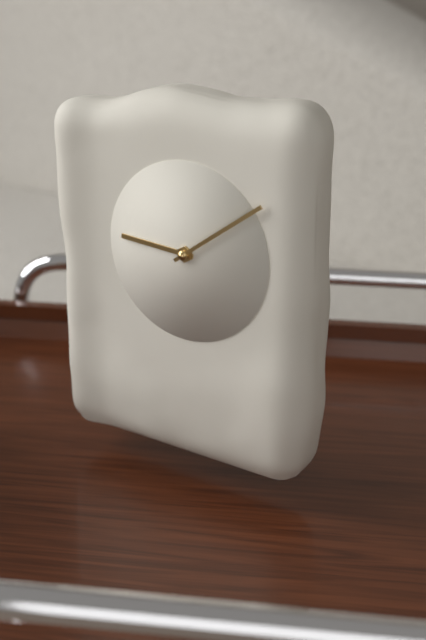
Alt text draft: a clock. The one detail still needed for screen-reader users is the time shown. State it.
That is 9:09
